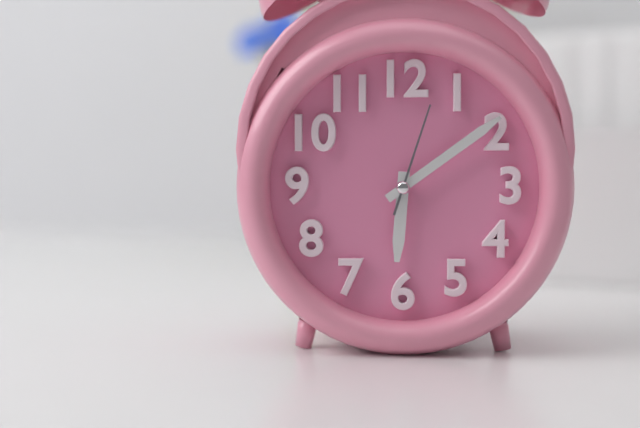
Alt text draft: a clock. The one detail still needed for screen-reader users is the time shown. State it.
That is 6:09:03
